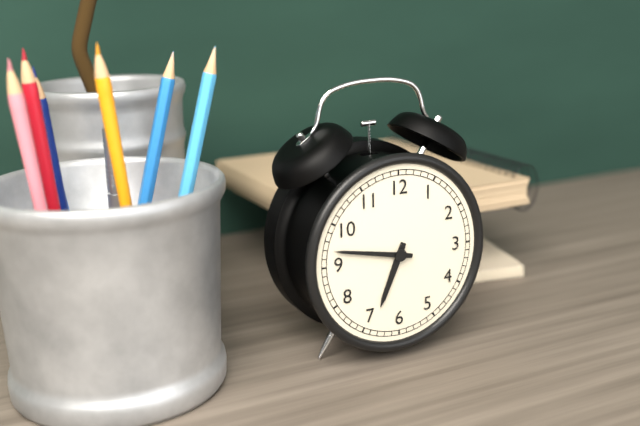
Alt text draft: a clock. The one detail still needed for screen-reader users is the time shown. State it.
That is 6:47
